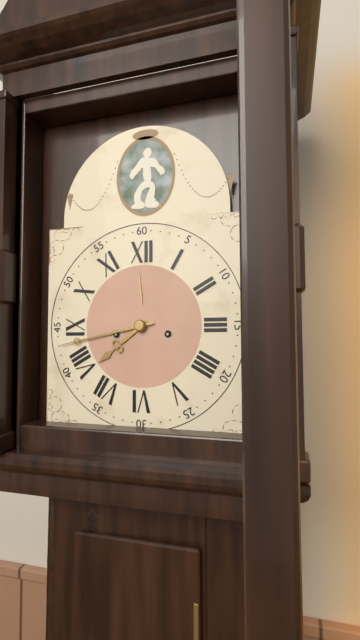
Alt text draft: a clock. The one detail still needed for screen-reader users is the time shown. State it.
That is 7:43
